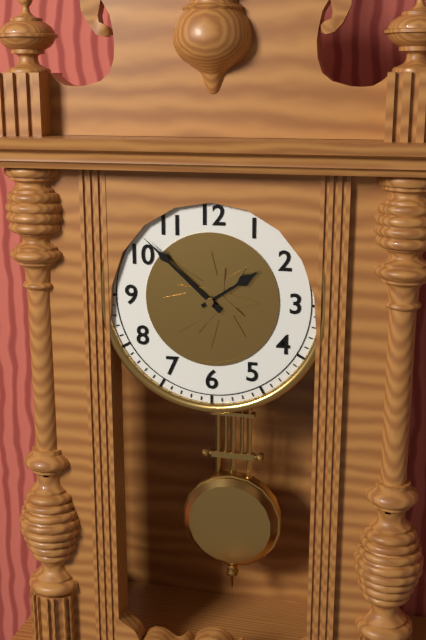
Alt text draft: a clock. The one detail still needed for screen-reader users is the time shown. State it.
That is 1:52
